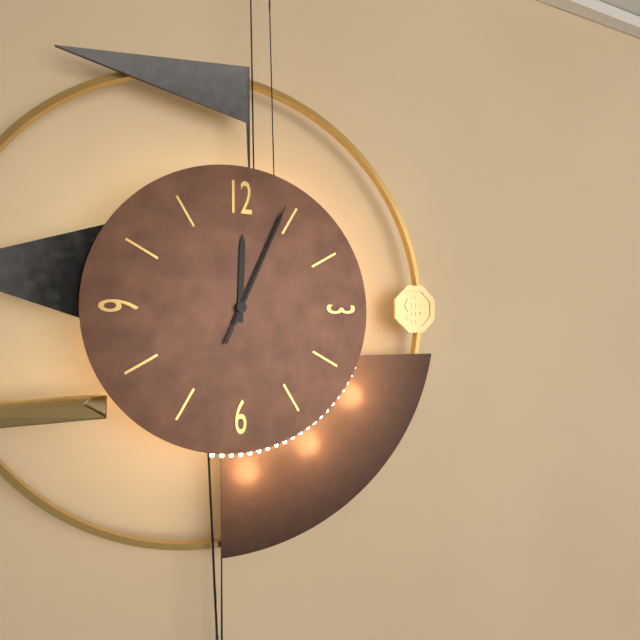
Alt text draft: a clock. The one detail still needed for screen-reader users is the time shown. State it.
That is 12:04:04
